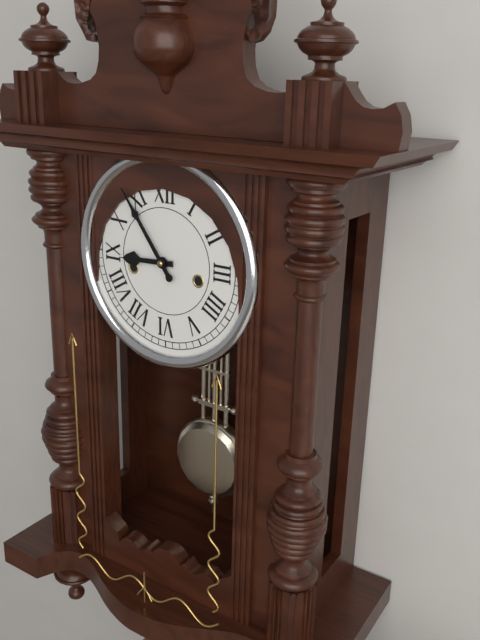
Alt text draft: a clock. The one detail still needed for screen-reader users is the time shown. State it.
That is 8:54
